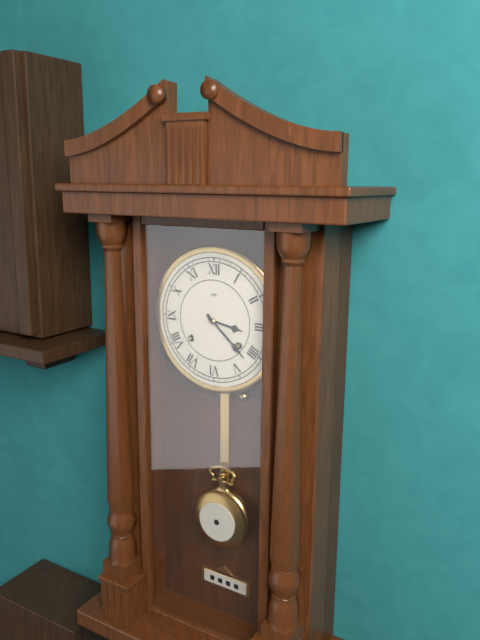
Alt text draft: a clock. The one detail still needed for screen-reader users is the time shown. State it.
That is 3:22
